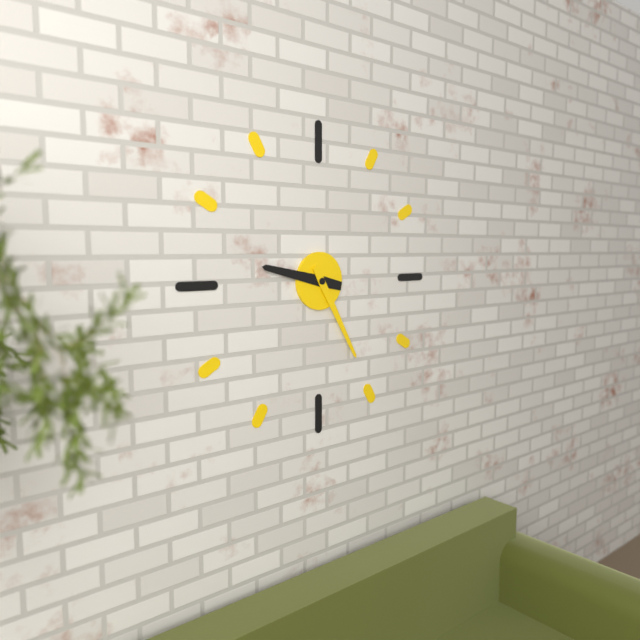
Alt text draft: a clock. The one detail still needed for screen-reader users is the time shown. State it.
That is 9:25
